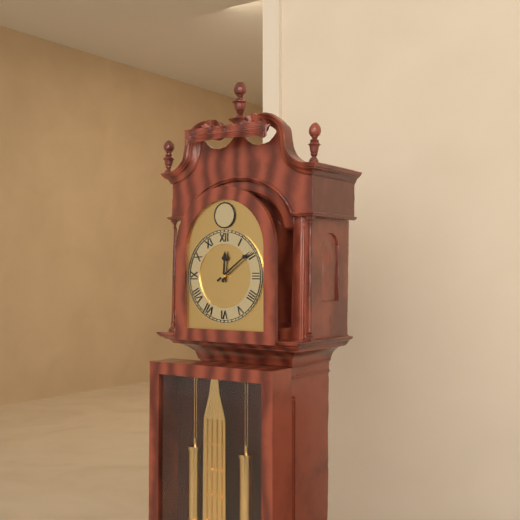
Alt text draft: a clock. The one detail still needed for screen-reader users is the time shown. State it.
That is 12:09
